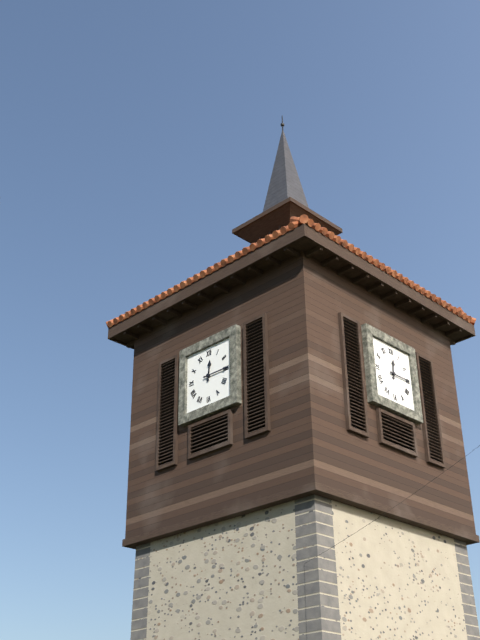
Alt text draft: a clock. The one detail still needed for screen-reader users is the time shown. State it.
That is 12:15
